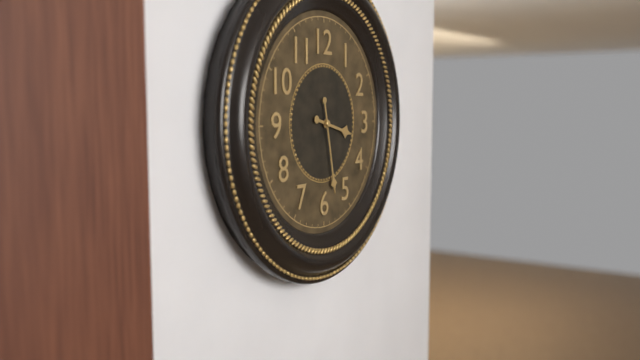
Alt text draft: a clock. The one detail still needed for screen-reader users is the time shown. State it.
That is 3:28
